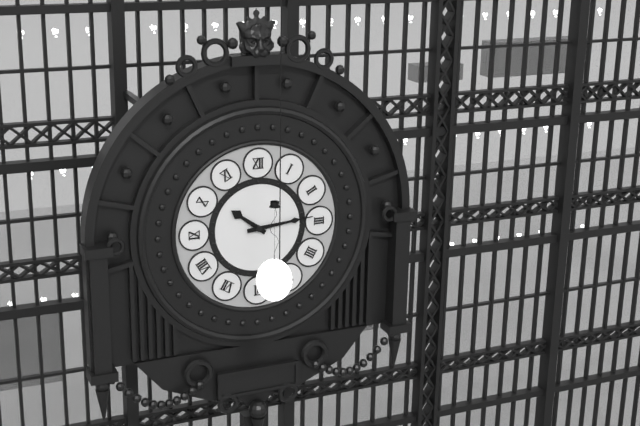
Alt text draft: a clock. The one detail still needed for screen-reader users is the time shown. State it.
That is 10:14
